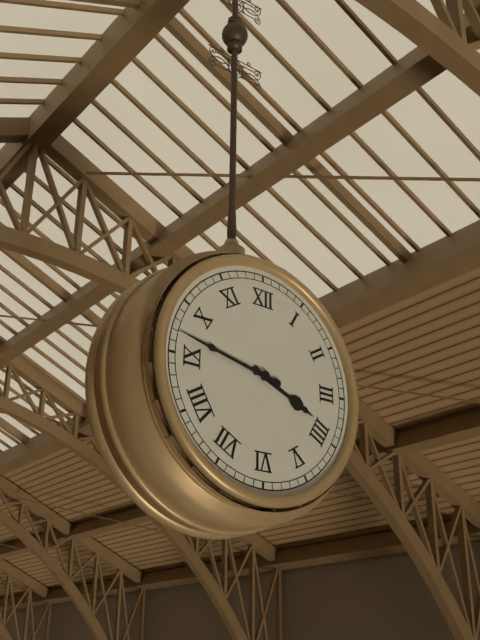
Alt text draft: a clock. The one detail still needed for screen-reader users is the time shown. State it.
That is 3:47
